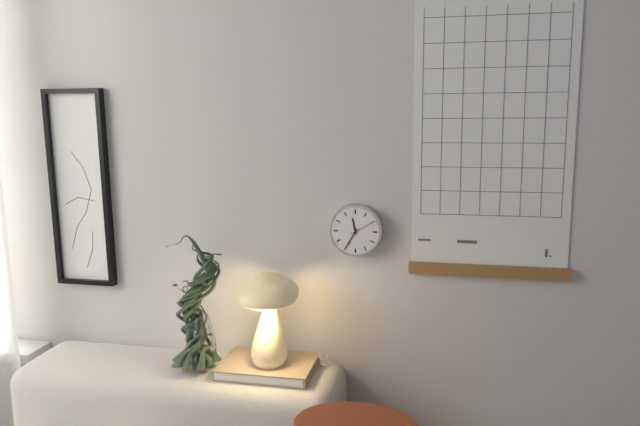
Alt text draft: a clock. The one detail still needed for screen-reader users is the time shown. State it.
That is 11:35
